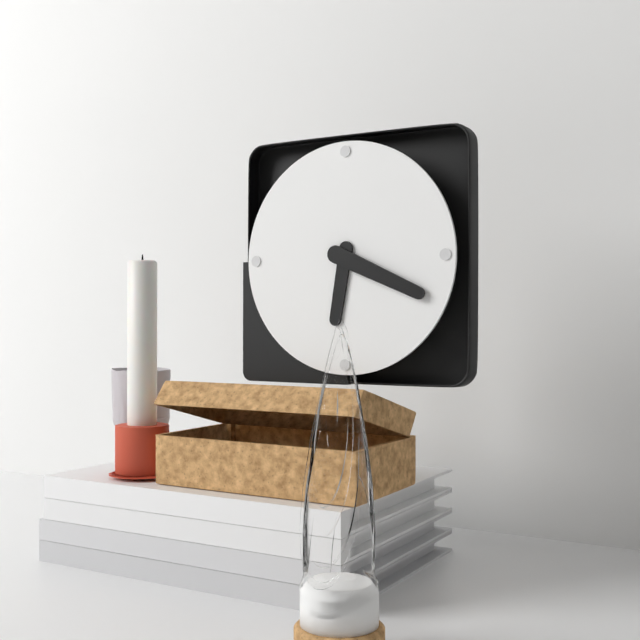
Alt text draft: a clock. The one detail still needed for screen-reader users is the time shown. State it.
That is 6:19
